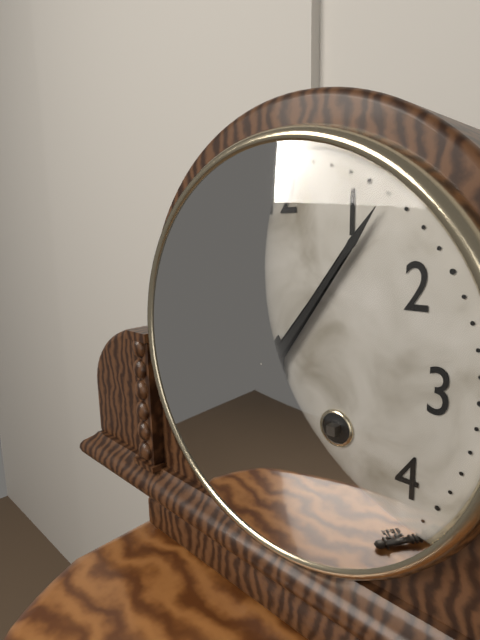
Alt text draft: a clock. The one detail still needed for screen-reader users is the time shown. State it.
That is 6:06
